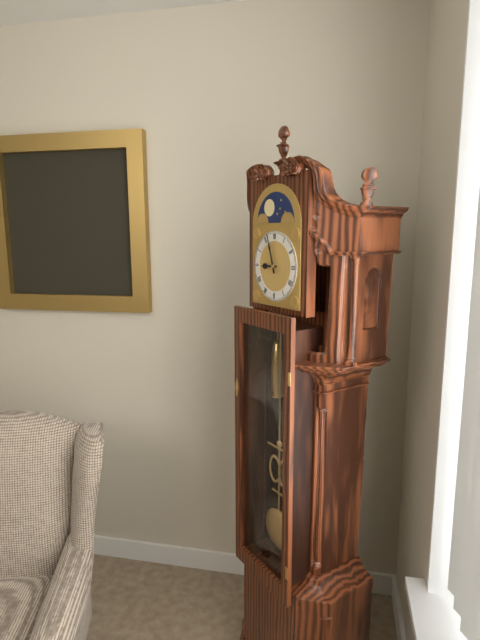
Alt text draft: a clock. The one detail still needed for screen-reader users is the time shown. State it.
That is 8:57
